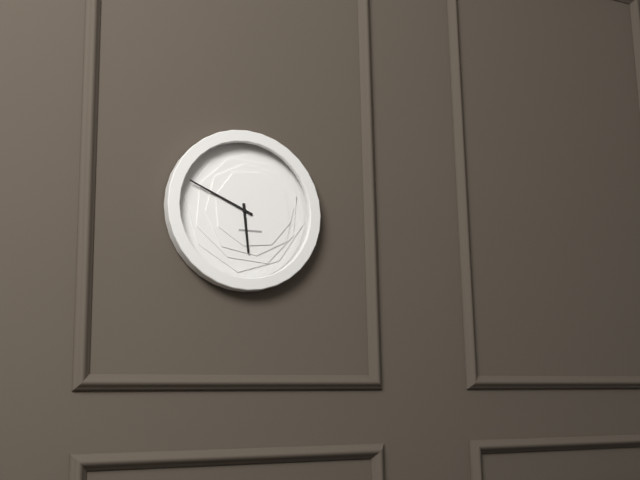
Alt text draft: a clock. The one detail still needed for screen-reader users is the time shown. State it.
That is 5:49
